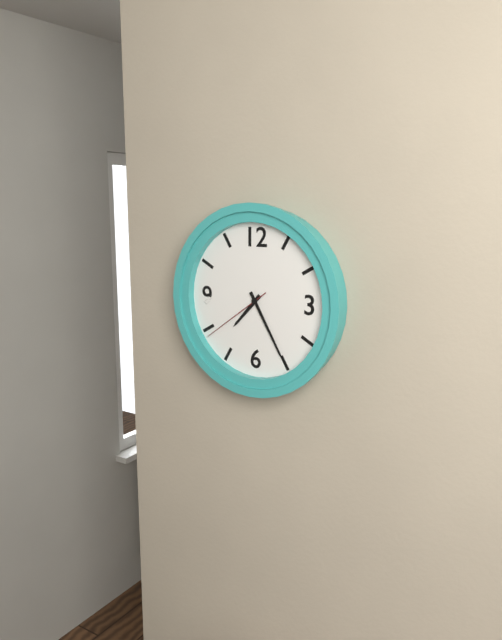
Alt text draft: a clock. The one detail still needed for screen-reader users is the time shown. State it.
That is 7:25:39
